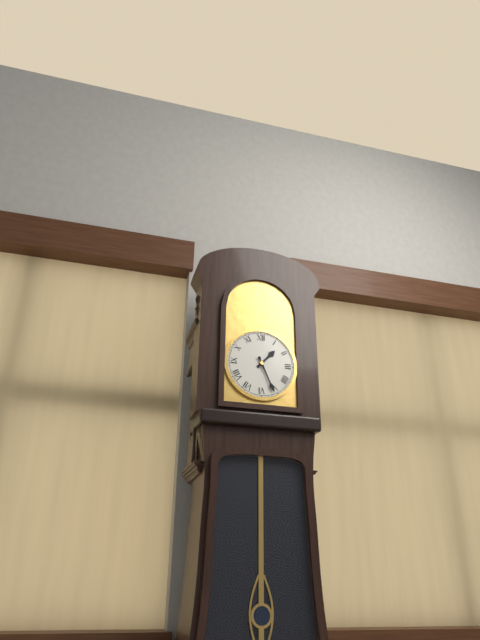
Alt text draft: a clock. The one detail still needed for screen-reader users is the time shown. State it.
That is 1:26
